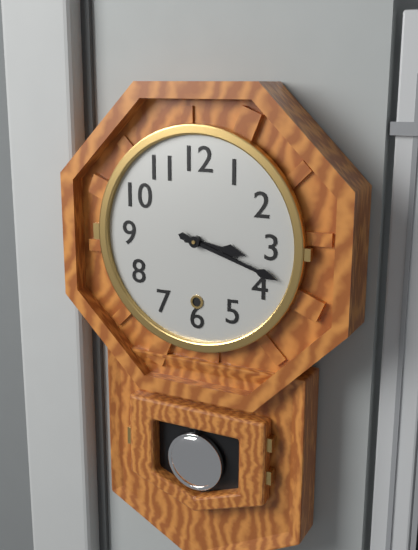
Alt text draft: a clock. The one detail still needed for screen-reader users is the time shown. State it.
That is 3:18
